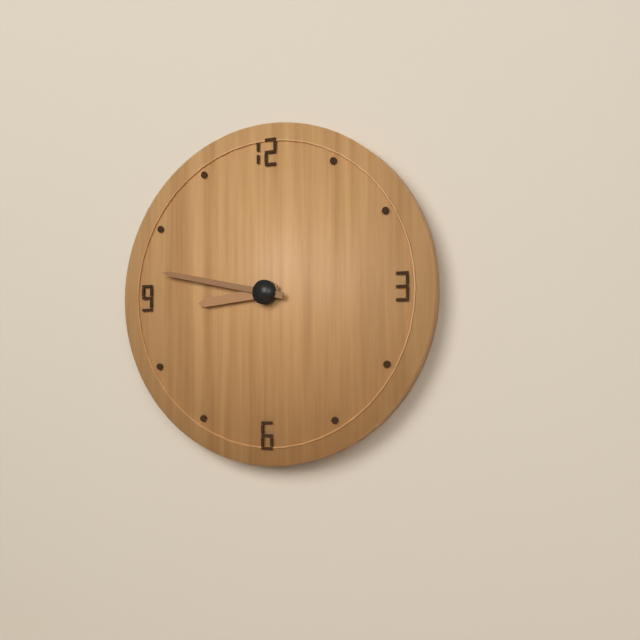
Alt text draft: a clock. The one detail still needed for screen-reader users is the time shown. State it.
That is 8:47
